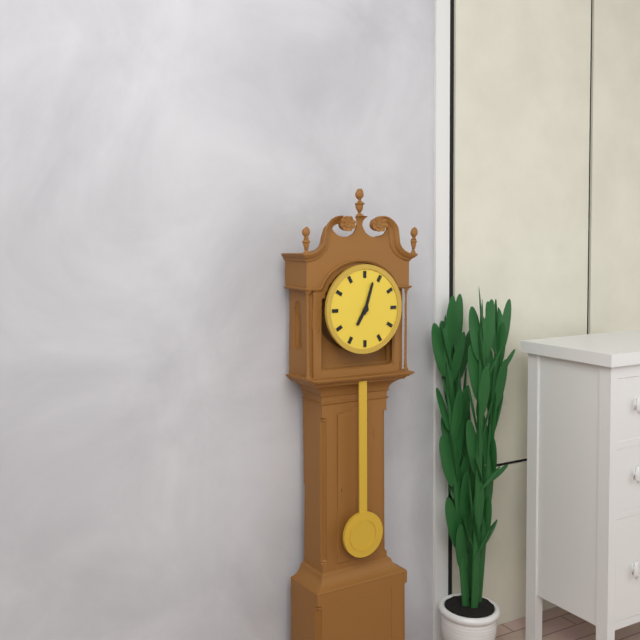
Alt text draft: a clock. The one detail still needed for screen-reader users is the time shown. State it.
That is 7:03
